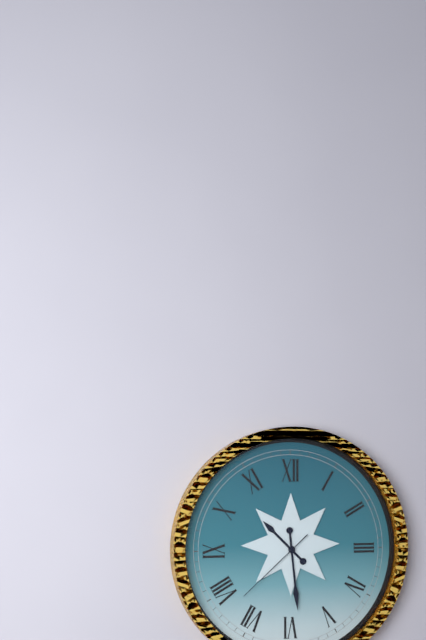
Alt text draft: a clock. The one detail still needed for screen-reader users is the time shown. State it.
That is 10:29:38
